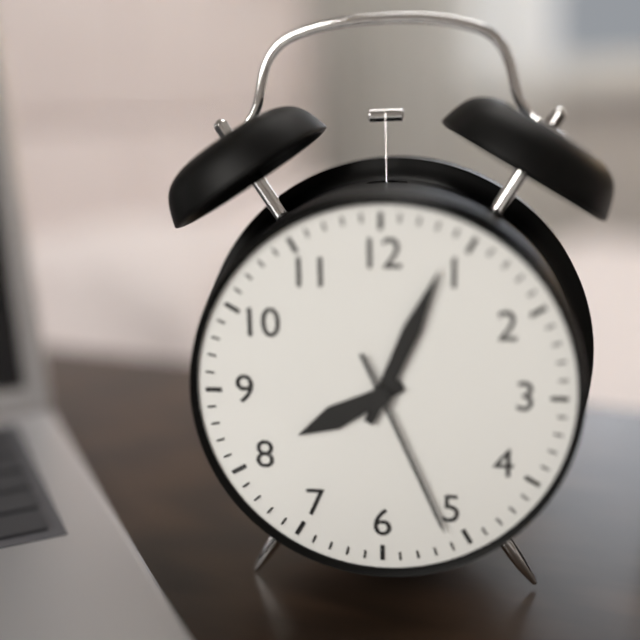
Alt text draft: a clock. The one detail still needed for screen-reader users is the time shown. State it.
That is 8:04:26
